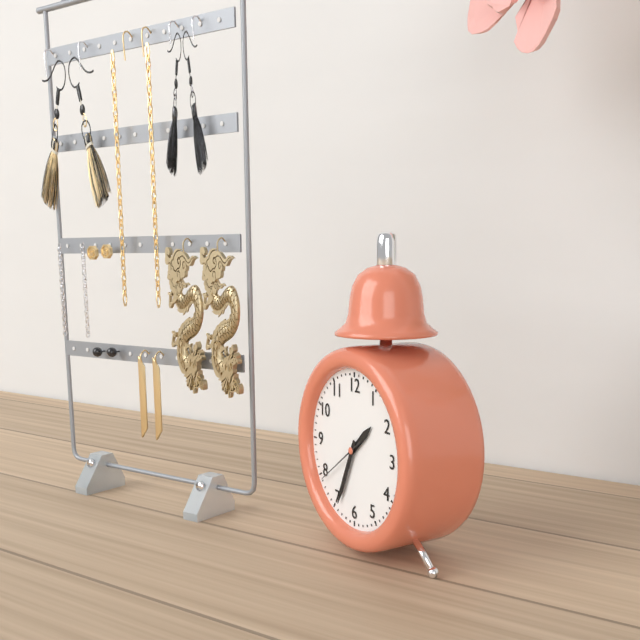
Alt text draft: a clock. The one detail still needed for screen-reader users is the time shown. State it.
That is 1:34:39
